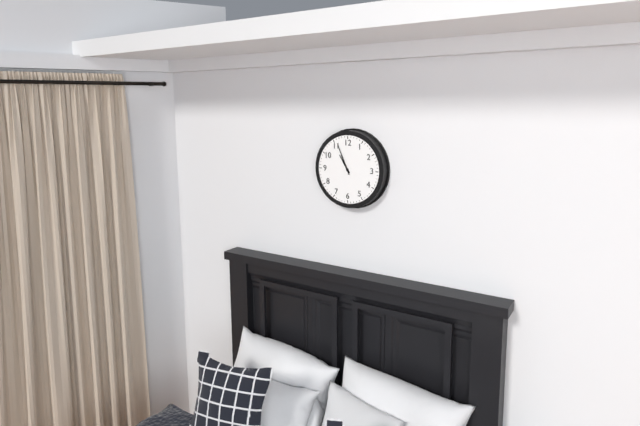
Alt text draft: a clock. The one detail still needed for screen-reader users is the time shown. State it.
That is 10:56
